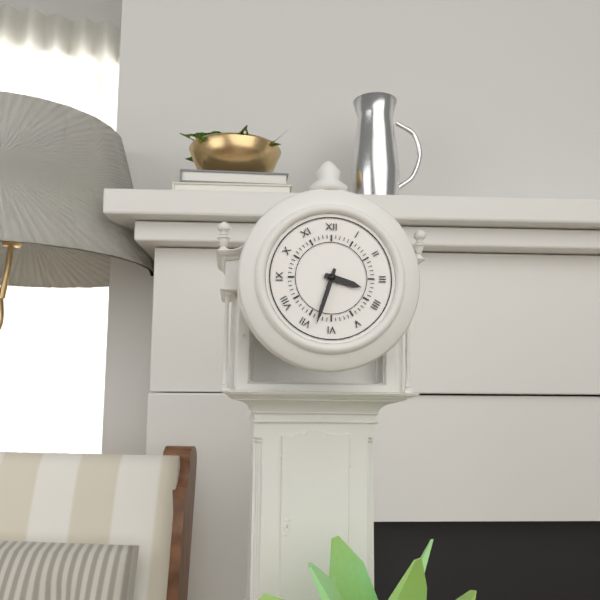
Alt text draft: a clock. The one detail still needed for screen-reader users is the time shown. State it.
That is 3:33
